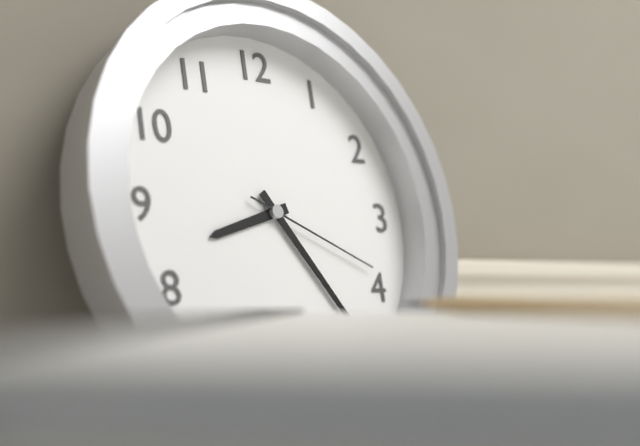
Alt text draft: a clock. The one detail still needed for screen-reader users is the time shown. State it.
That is 8:24:19
